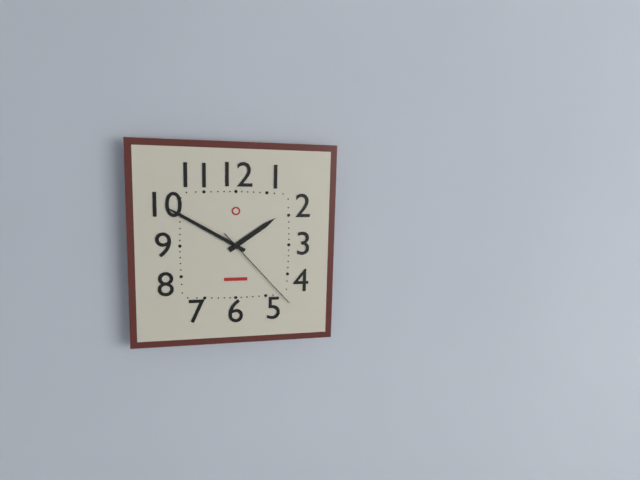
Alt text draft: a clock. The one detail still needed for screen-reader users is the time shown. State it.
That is 1:50:23
